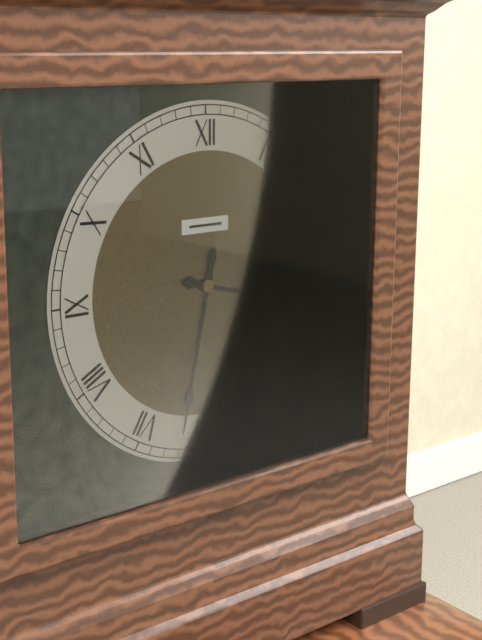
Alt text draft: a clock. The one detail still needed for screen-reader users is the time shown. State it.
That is 3:32
